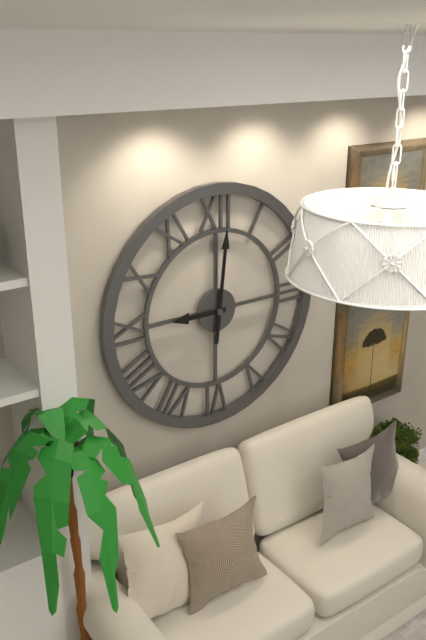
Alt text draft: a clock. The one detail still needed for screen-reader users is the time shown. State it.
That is 9:01
